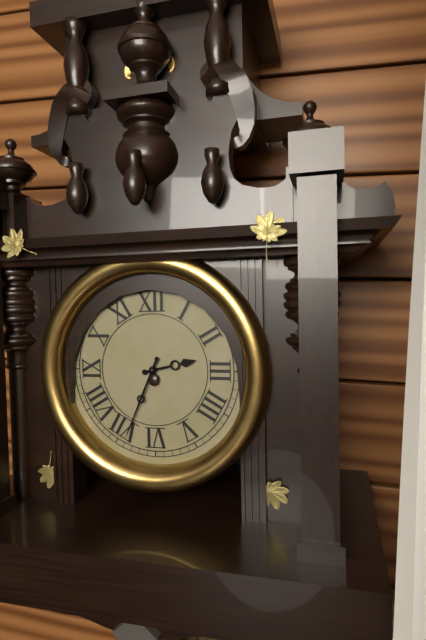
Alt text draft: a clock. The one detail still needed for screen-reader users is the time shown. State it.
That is 2:34
